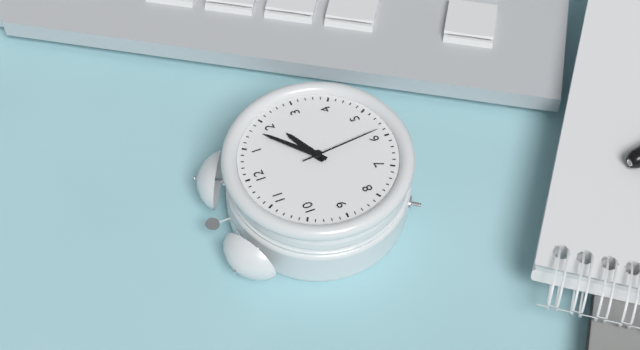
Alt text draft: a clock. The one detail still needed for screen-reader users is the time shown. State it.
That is 2:08:29
